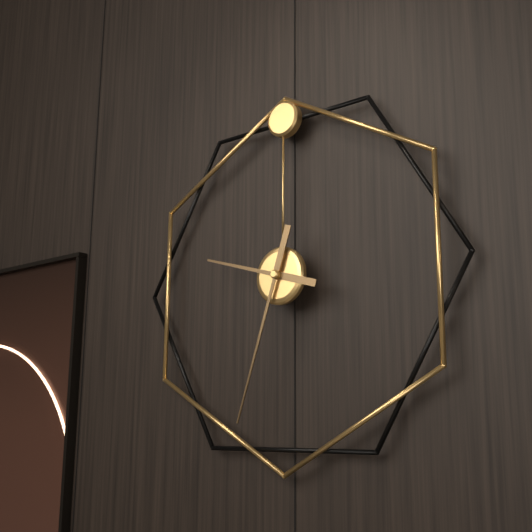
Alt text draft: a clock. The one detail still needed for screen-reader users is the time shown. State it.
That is 9:33
